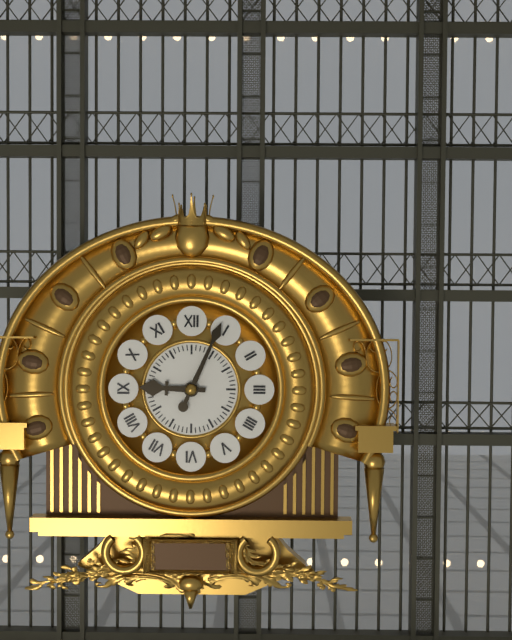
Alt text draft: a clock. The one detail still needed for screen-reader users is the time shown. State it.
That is 9:04
